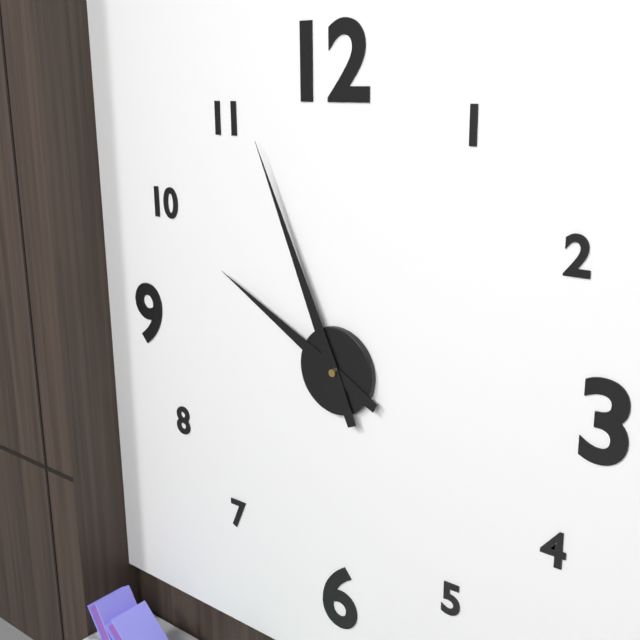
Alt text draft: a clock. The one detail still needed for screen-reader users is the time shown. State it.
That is 9:56
